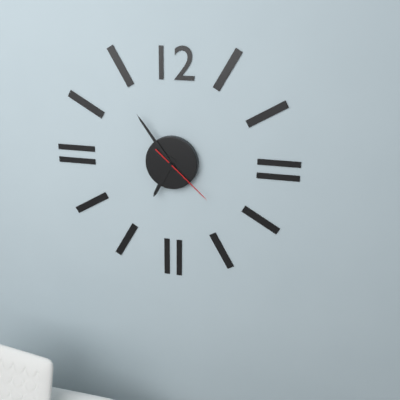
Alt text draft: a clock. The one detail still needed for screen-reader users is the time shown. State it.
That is 6:54:22
